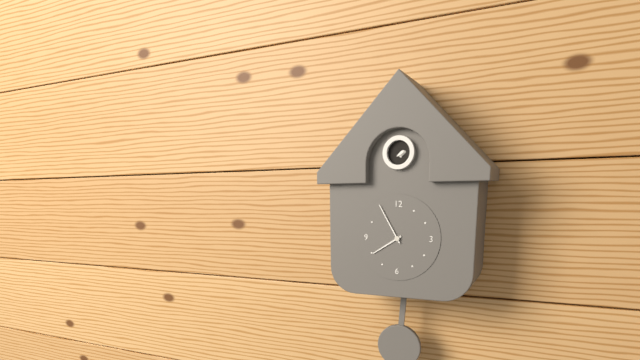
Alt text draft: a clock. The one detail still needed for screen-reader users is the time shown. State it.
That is 7:55
